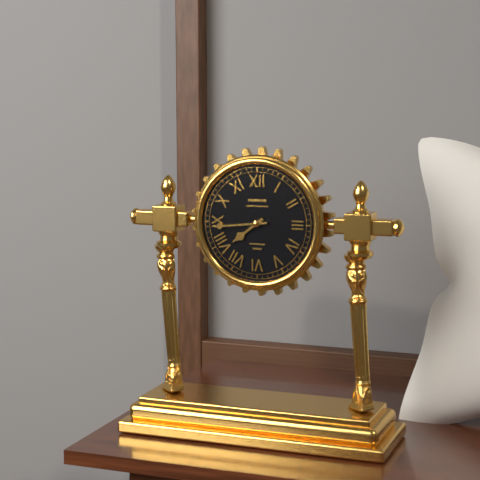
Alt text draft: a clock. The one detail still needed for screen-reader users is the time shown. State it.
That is 7:44
